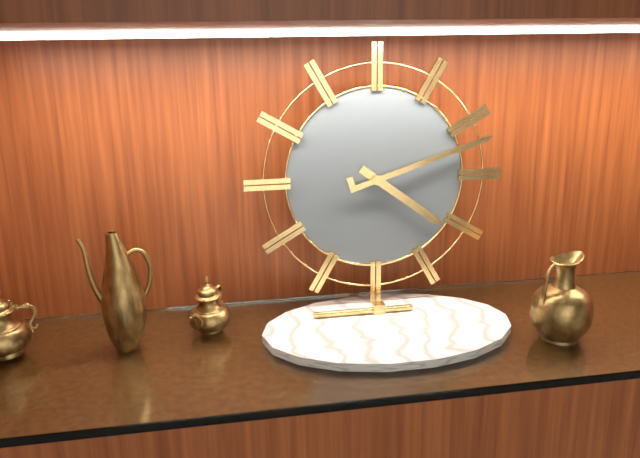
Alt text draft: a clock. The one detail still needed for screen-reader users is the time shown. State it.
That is 4:12
